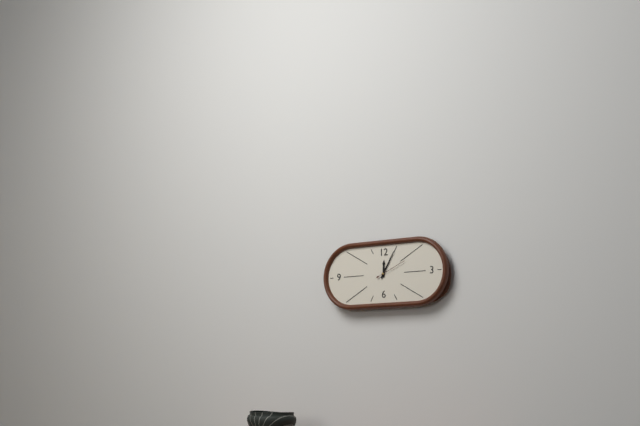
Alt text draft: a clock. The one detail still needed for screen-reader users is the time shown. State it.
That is 12:05
